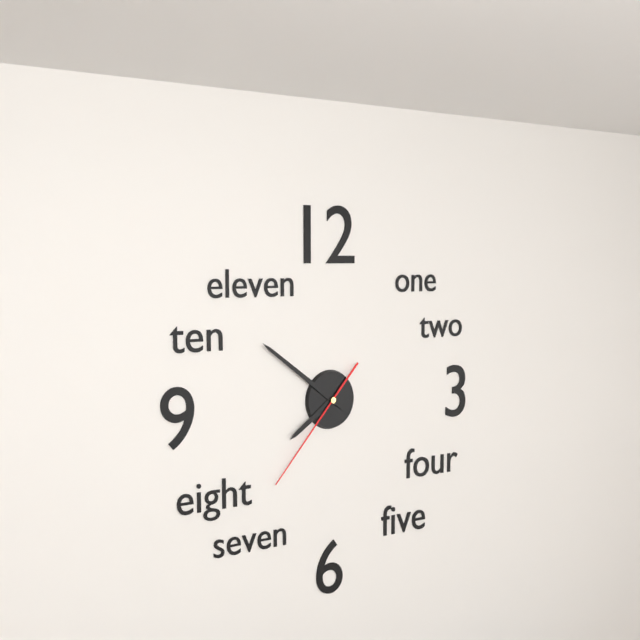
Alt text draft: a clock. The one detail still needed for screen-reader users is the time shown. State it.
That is 7:51:37
